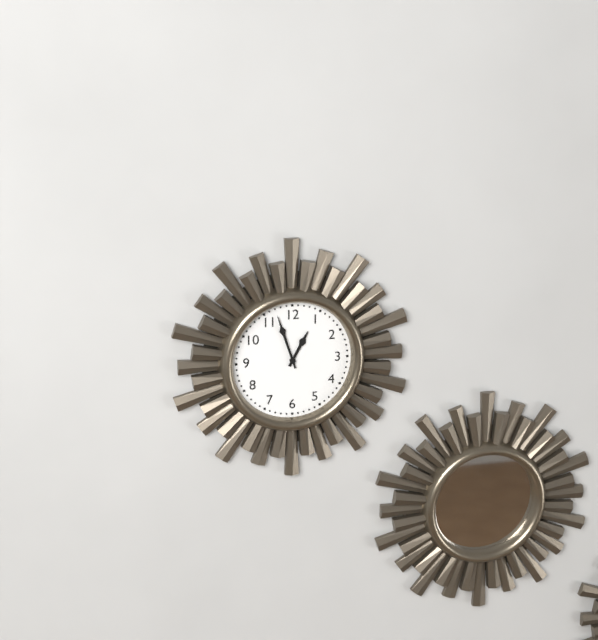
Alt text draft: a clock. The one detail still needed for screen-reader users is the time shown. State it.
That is 12:57
